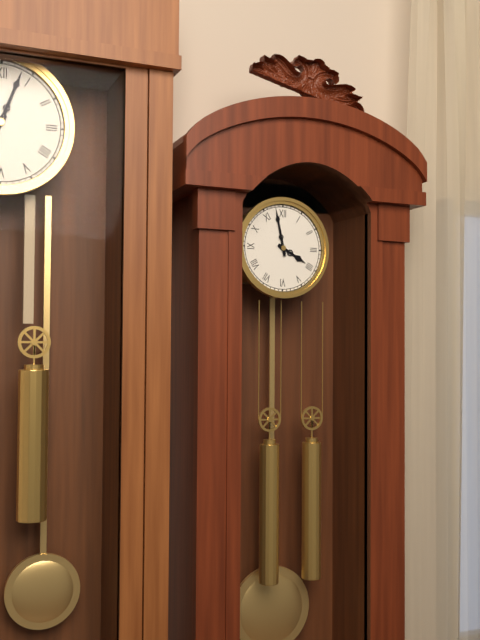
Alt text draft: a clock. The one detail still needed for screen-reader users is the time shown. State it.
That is 3:58
